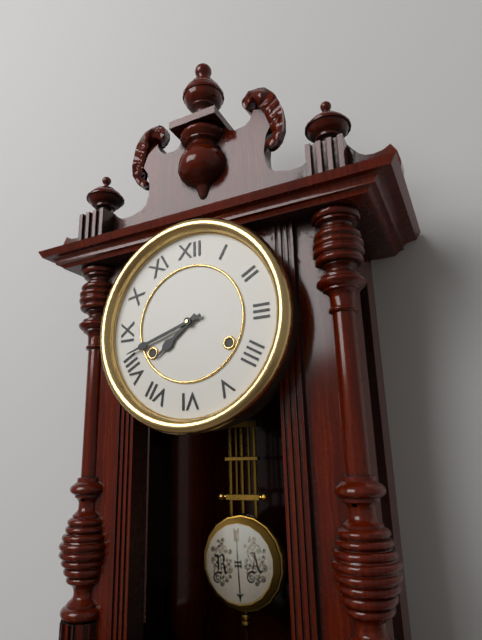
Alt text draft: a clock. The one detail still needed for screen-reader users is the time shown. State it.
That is 7:42
